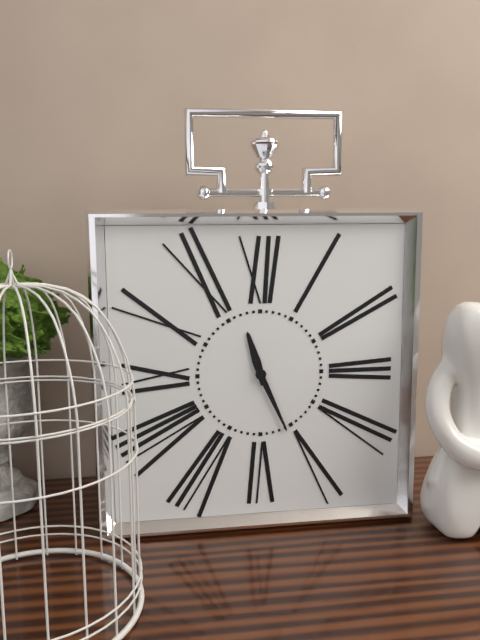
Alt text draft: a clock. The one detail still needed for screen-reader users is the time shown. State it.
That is 11:26
